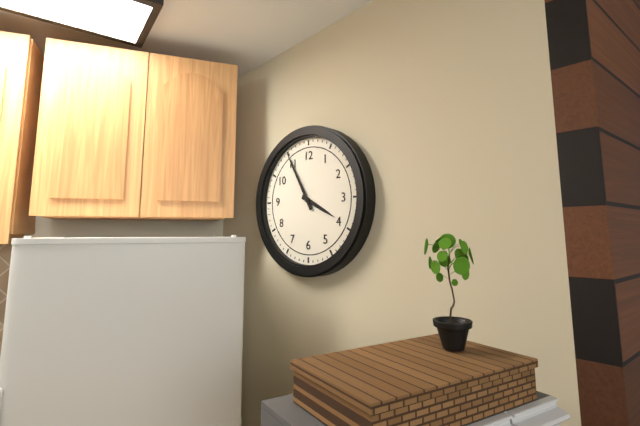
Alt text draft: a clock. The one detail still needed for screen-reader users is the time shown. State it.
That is 3:55
